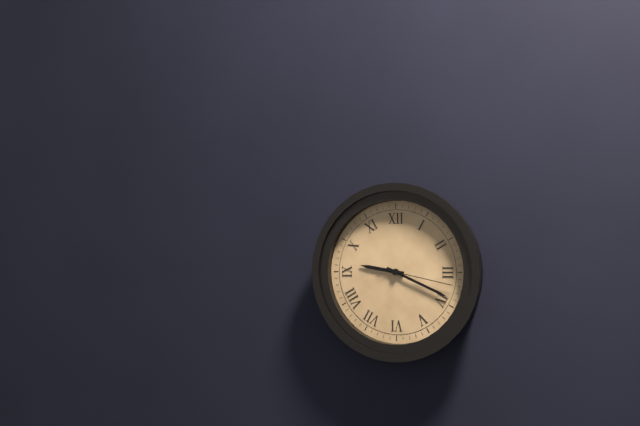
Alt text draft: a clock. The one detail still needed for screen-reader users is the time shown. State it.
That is 9:19:17
